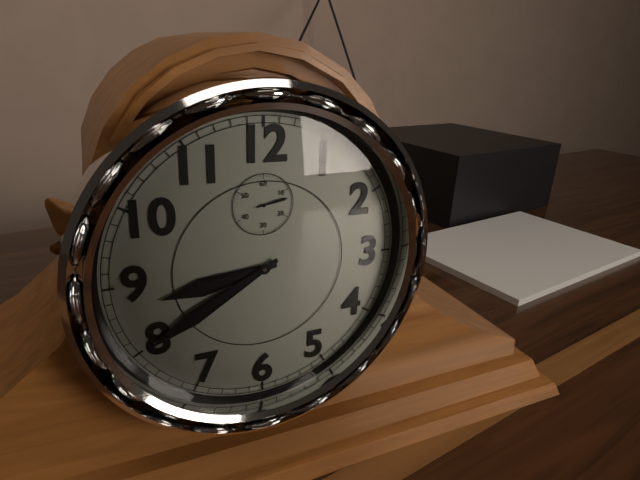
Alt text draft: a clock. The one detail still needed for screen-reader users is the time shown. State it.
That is 8:40
